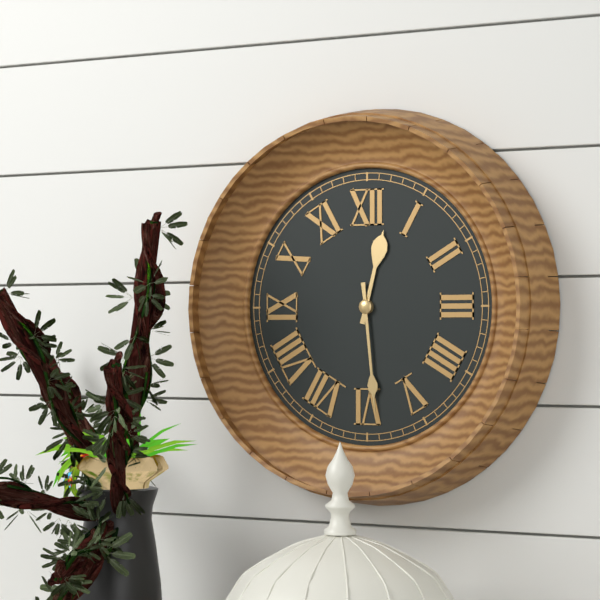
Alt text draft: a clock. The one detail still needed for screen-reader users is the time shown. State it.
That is 12:29
